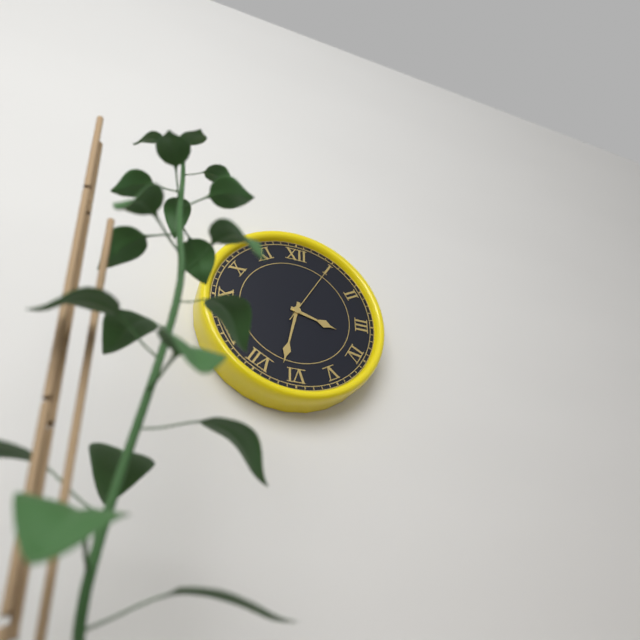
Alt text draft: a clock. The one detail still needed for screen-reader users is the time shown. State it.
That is 3:32:05
